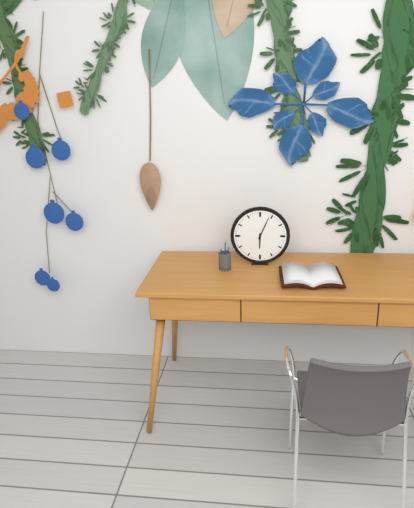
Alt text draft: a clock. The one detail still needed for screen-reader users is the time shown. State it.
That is 6:04
